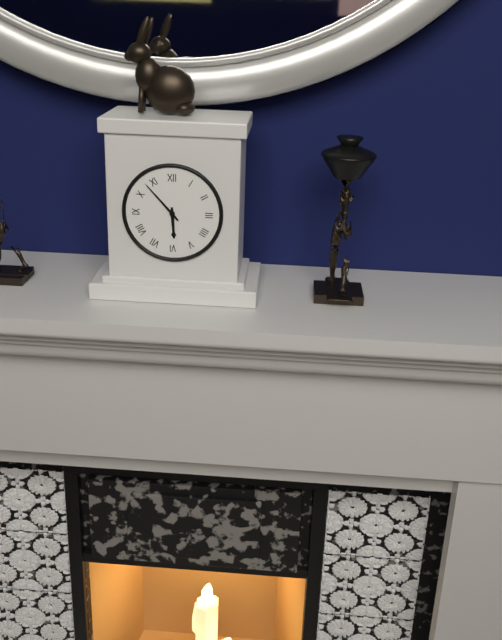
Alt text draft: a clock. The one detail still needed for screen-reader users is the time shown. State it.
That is 5:53
